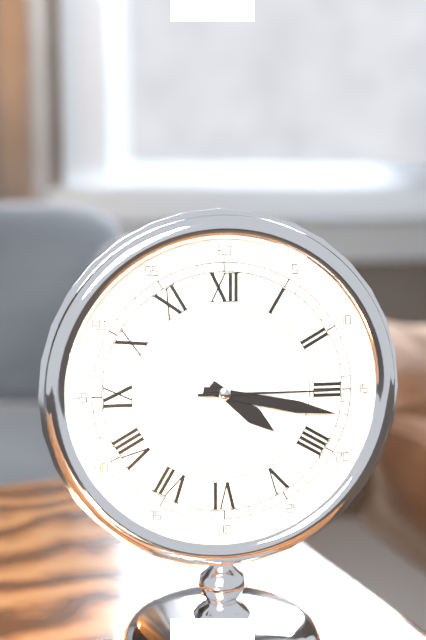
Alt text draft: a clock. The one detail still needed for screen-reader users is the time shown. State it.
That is 4:17:15
